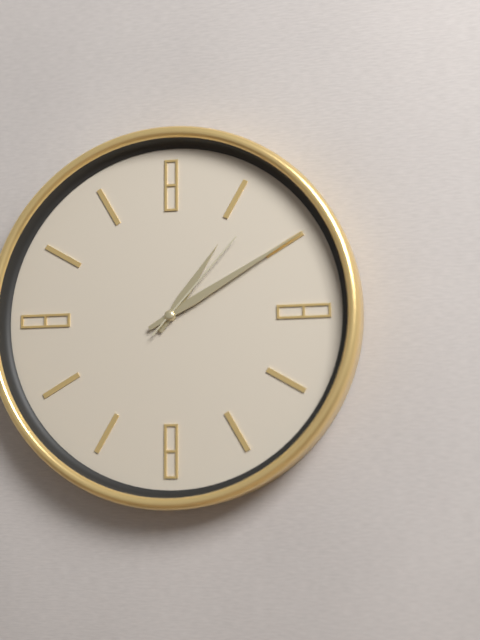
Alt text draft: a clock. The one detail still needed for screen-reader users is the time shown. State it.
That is 1:10:07
